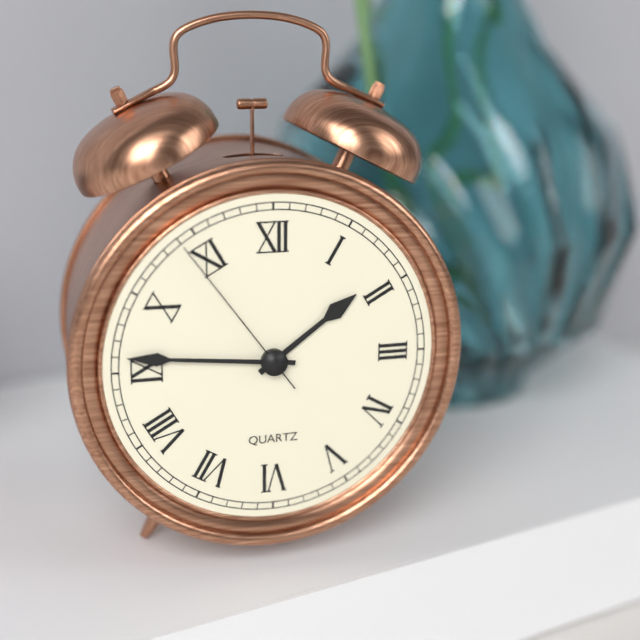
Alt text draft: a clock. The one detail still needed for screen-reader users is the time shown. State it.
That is 1:46:54
